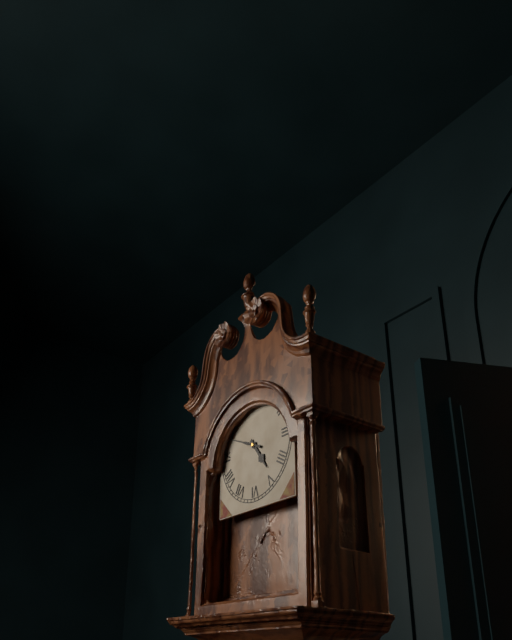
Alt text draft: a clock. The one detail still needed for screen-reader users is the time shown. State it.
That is 4:49
